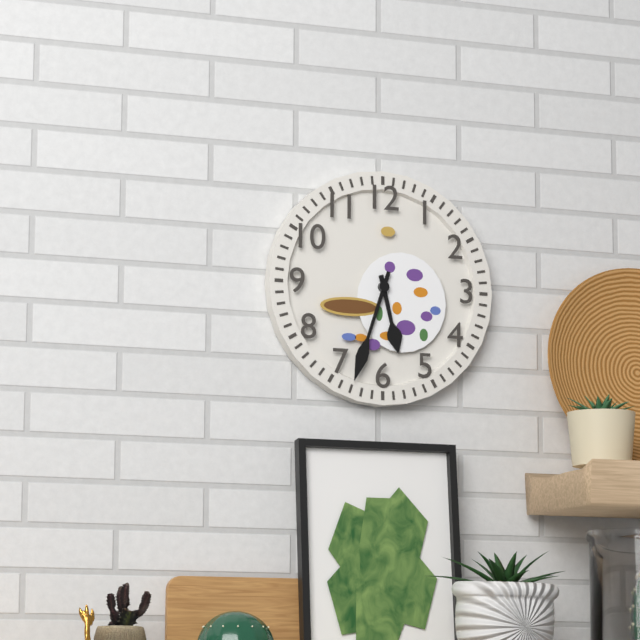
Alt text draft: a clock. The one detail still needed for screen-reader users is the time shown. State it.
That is 5:33
